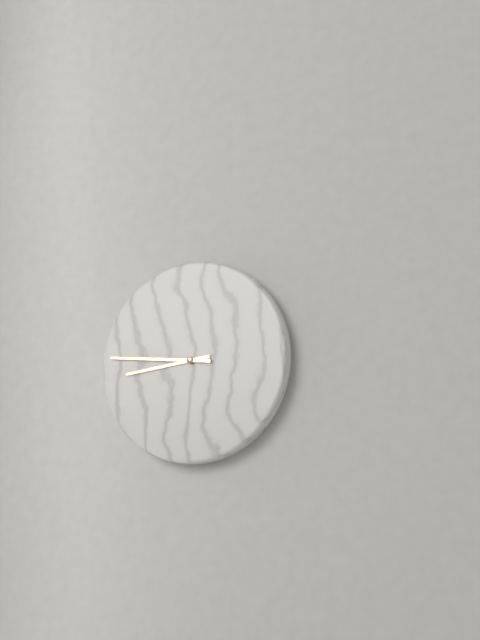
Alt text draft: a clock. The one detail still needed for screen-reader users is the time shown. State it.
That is 8:46
